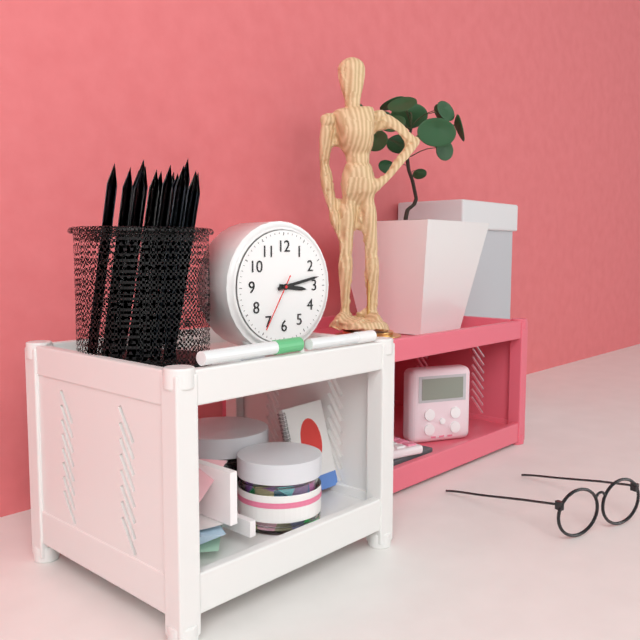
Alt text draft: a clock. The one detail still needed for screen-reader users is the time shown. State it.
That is 3:13:35
